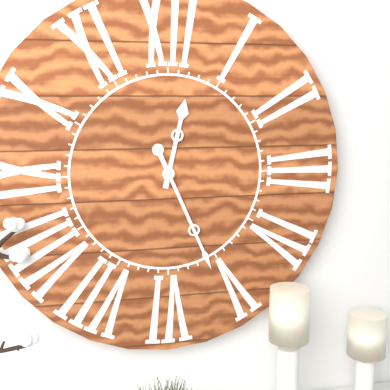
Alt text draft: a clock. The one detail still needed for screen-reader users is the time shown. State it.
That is 12:26
